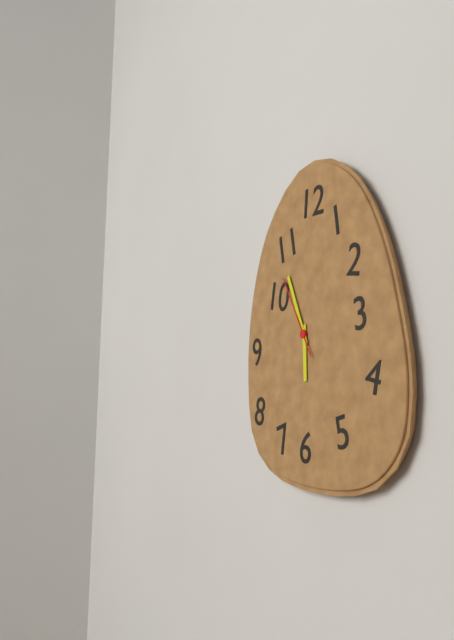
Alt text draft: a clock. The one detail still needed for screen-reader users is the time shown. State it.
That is 5:56:55
